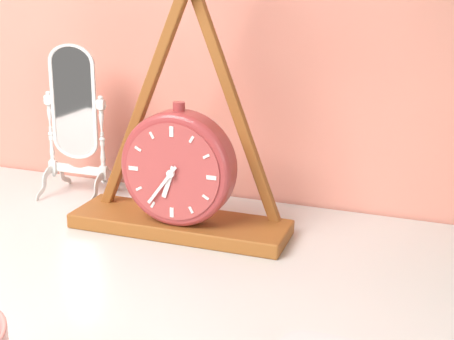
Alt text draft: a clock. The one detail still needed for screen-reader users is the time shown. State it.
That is 6:36
